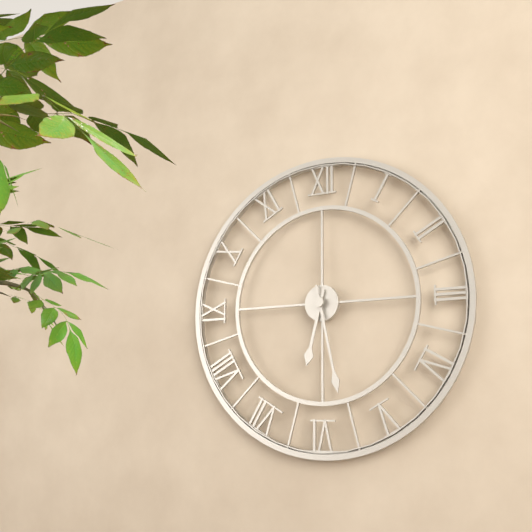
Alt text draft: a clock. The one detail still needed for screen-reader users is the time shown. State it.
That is 6:28
